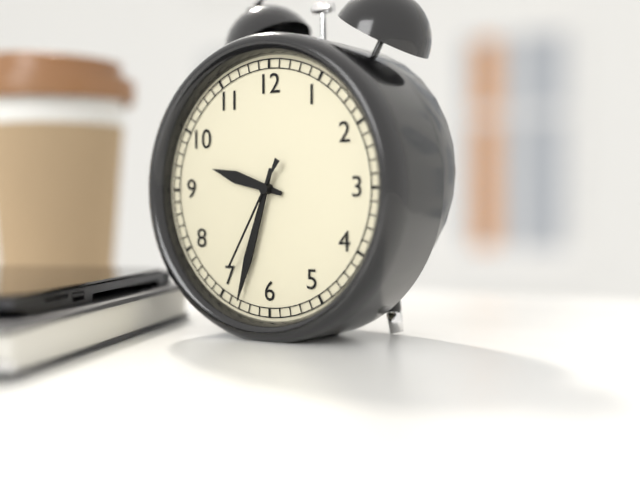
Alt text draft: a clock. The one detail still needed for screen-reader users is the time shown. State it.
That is 9:33:35
